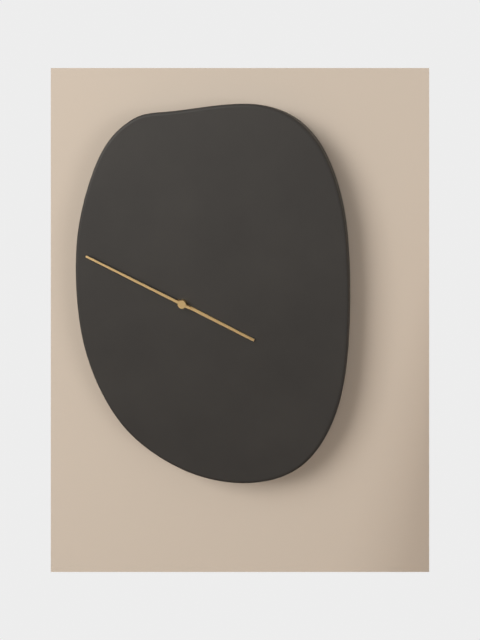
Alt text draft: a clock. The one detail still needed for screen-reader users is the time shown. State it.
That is 3:49
